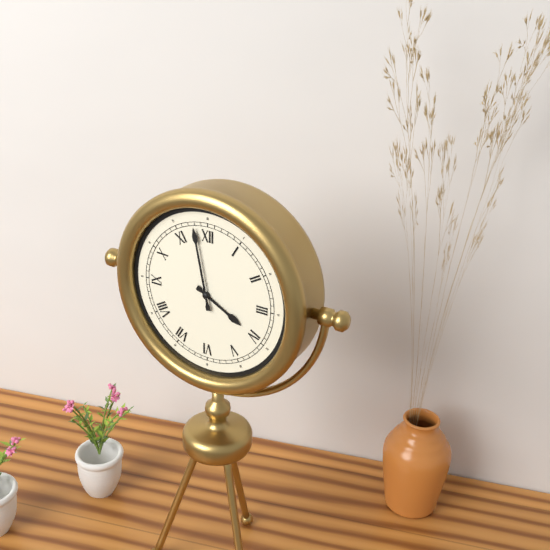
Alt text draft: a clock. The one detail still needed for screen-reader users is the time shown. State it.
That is 3:58
